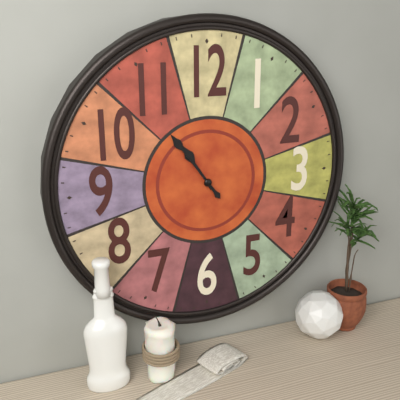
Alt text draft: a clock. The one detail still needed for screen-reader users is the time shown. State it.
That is 10:54
